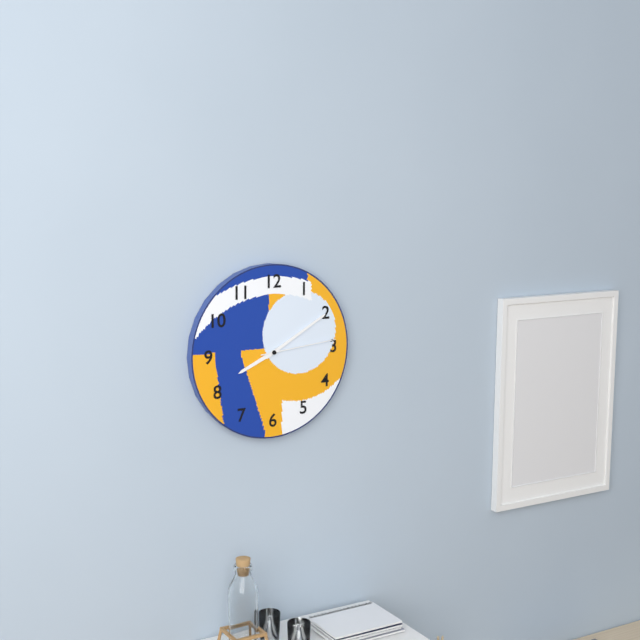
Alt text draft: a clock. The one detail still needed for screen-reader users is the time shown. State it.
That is 8:10:14
